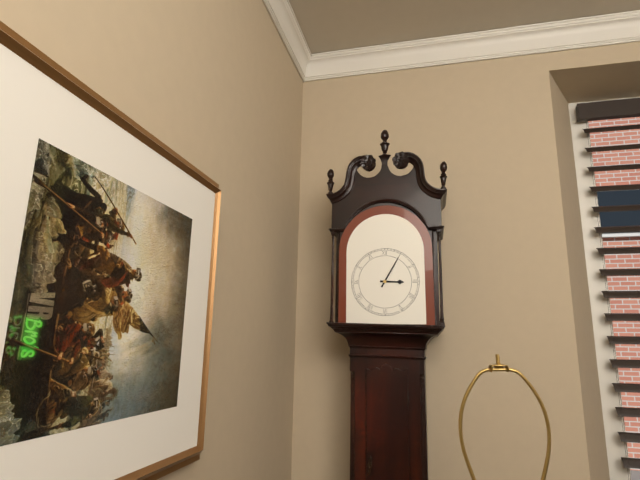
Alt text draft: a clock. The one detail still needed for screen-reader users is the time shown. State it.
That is 3:05
